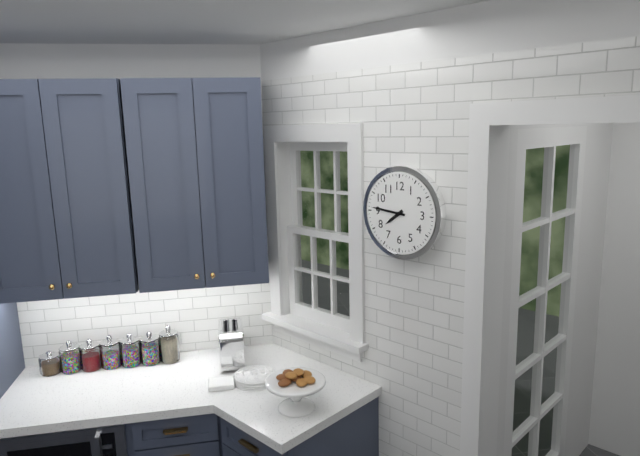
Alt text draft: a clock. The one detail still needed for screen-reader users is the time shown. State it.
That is 7:46
